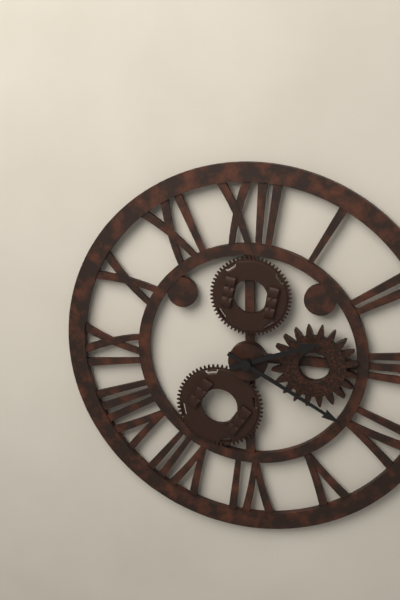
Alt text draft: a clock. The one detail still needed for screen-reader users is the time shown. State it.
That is 2:20
